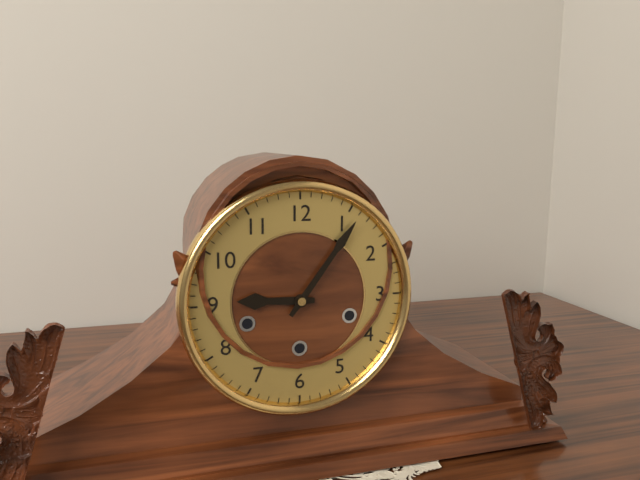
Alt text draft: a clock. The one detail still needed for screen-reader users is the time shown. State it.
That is 9:06
